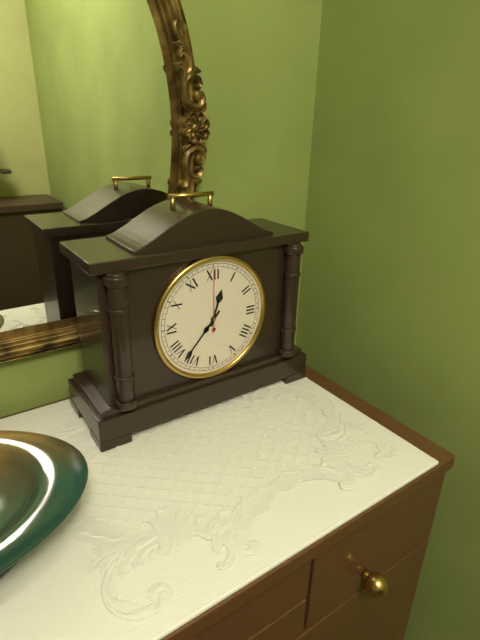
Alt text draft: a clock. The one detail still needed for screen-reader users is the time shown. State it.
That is 12:37:00
